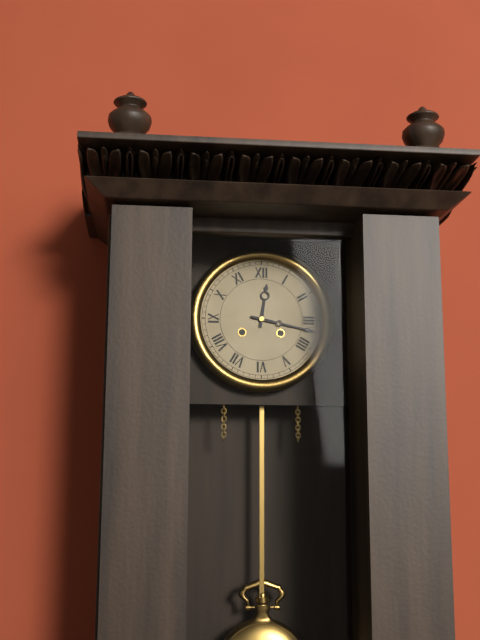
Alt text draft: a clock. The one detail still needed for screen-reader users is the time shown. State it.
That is 12:17
